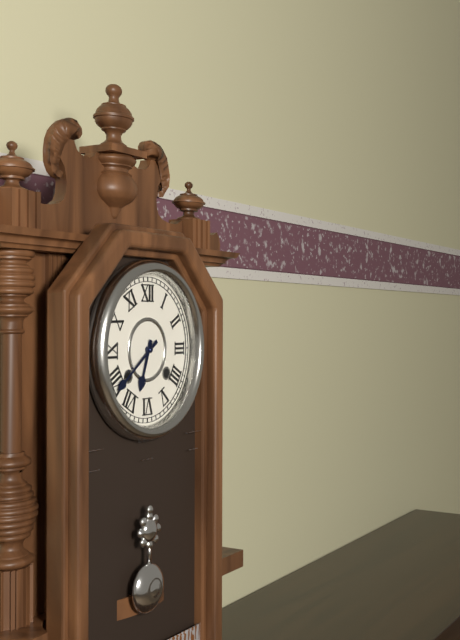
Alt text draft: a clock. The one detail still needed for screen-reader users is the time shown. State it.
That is 6:39
